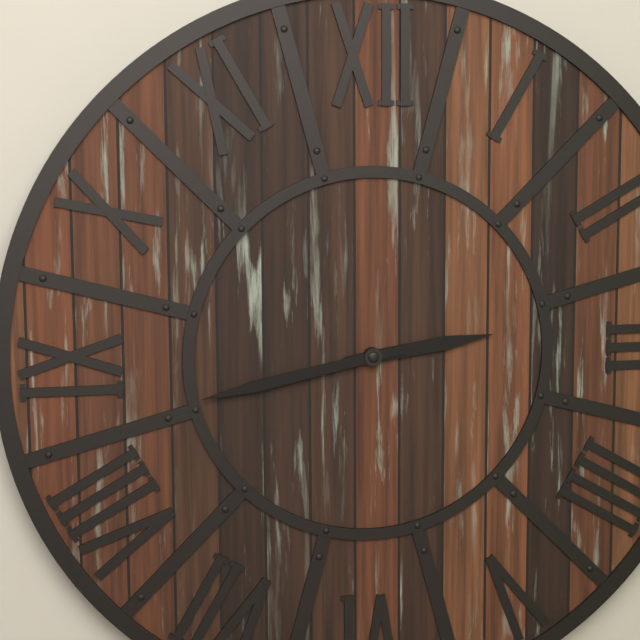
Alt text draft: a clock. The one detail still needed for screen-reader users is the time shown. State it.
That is 2:43
